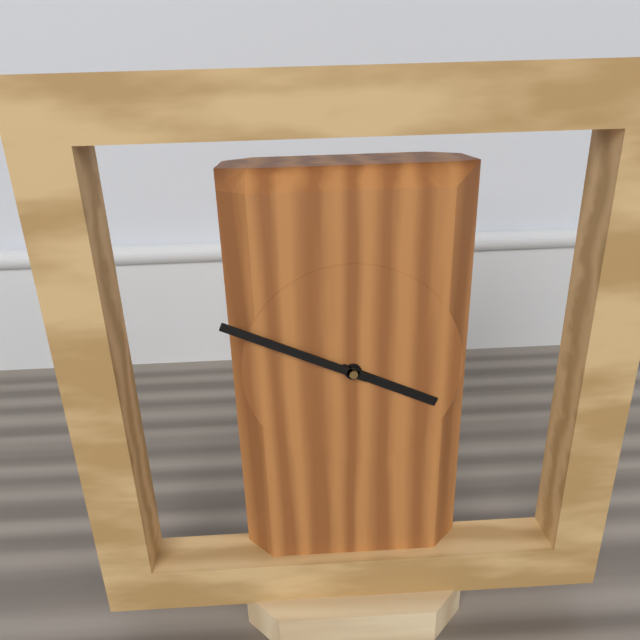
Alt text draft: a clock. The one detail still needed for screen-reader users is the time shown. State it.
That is 3:49
